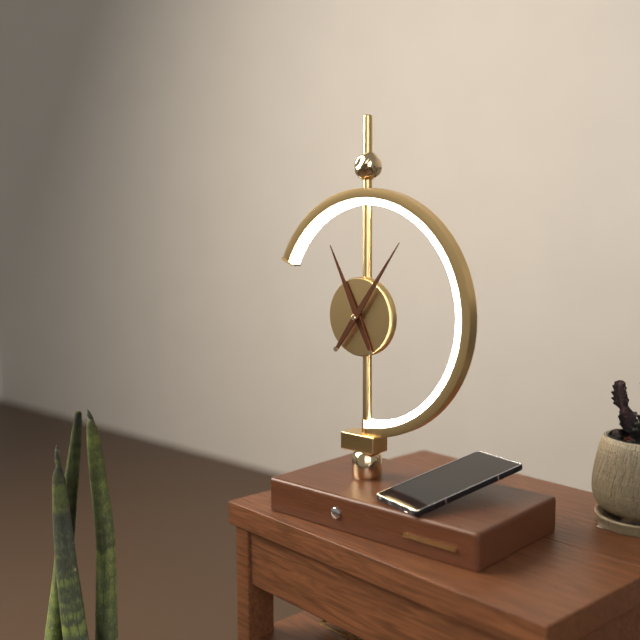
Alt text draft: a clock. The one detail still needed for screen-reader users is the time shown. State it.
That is 11:06
